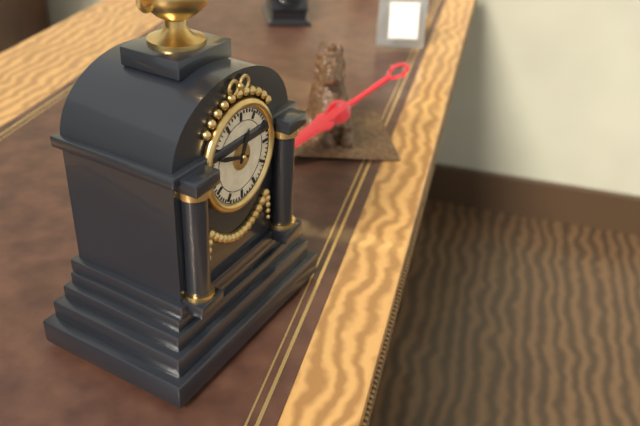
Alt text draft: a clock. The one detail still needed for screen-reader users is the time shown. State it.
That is 12:48
